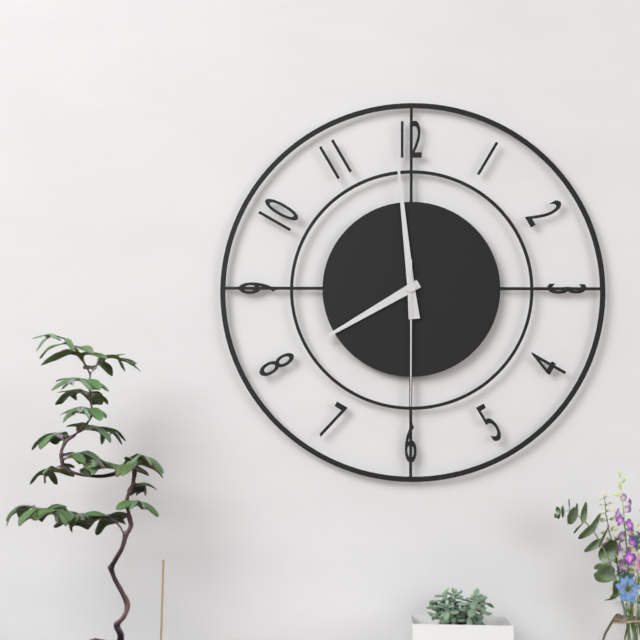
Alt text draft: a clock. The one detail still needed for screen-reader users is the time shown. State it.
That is 7:59:30
